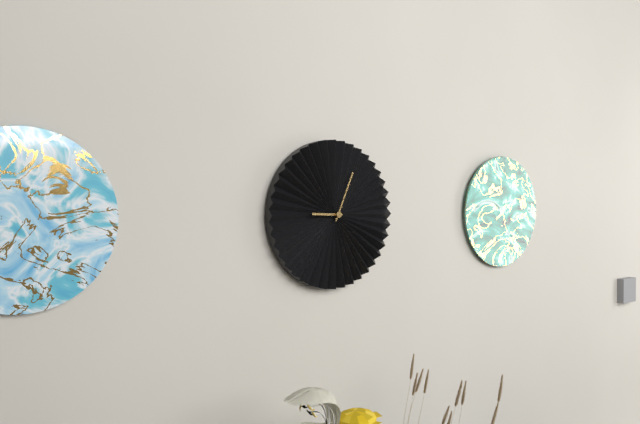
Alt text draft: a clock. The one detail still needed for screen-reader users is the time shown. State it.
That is 9:04
